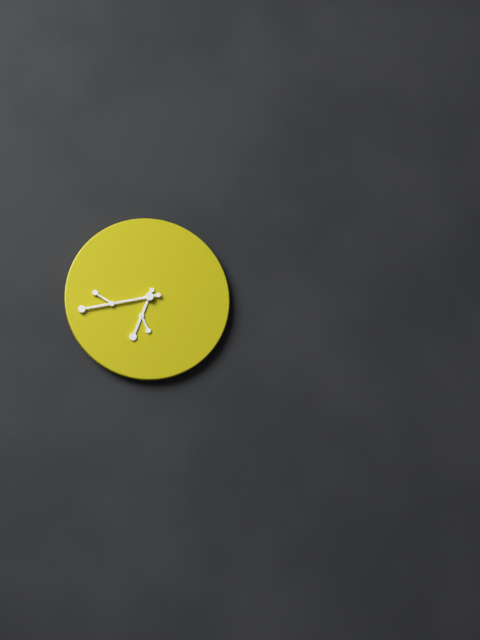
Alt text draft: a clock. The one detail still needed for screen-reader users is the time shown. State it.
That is 6:43
